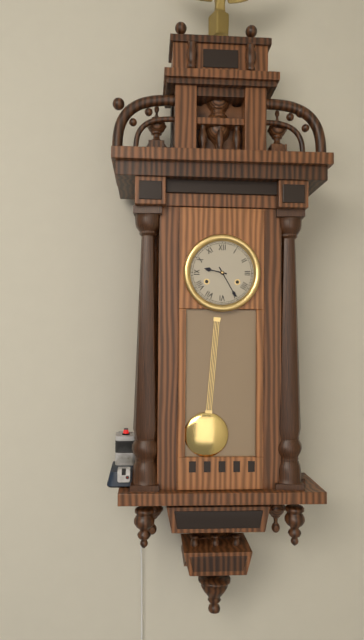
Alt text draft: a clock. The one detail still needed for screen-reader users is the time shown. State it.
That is 9:25
